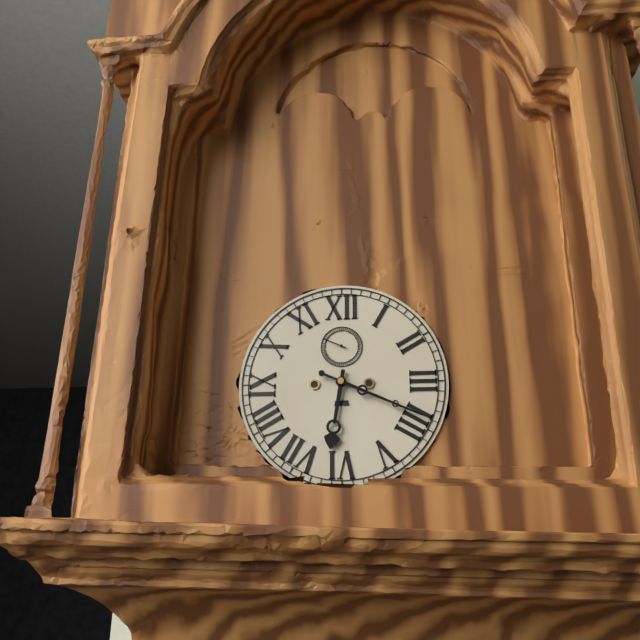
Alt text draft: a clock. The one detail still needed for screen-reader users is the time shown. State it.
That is 6:19
